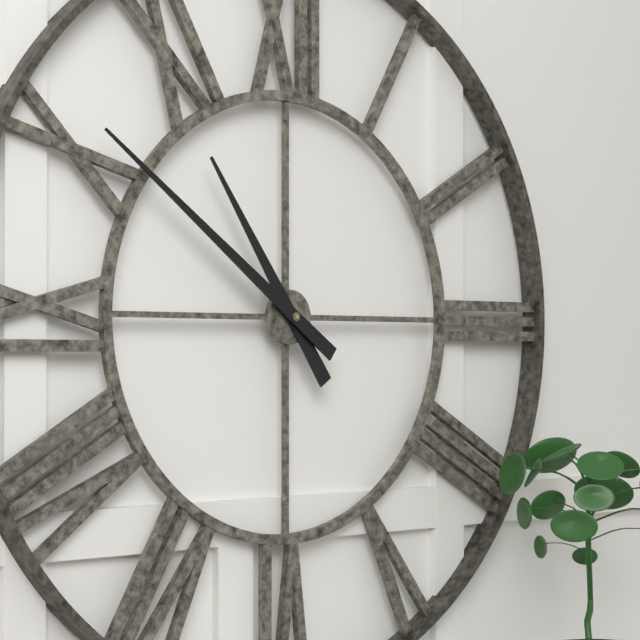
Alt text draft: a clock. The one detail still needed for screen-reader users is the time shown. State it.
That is 10:51
